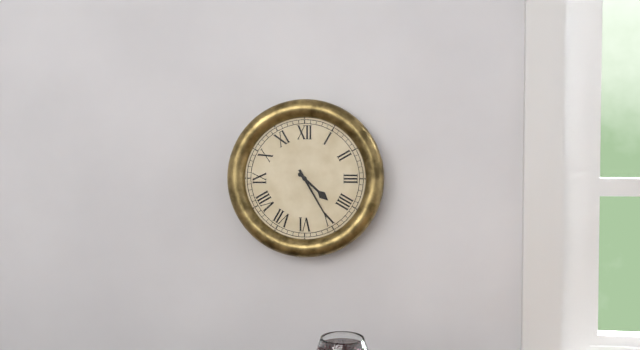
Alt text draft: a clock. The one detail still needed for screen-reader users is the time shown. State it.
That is 4:25
